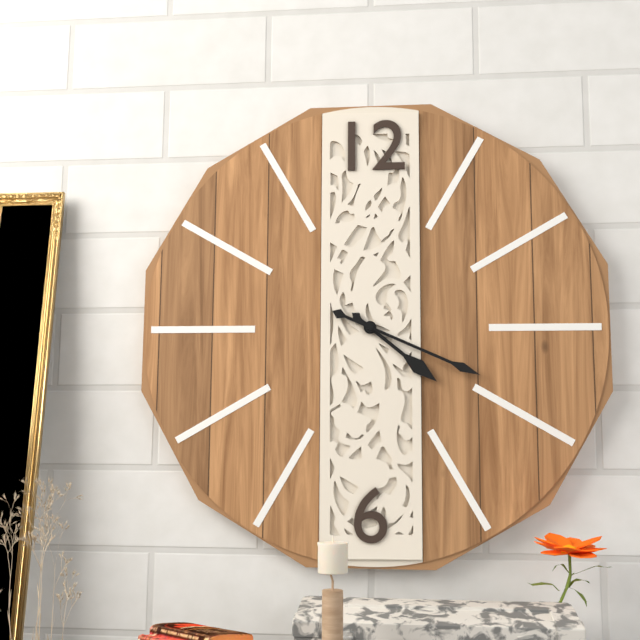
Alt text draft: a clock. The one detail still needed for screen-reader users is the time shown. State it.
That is 4:19
